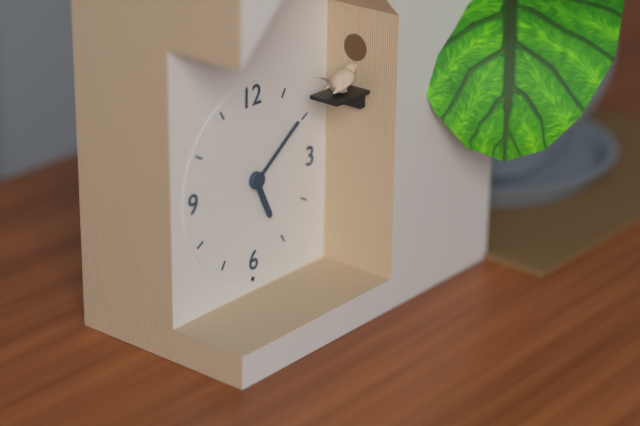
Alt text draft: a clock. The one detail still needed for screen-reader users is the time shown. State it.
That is 5:09
